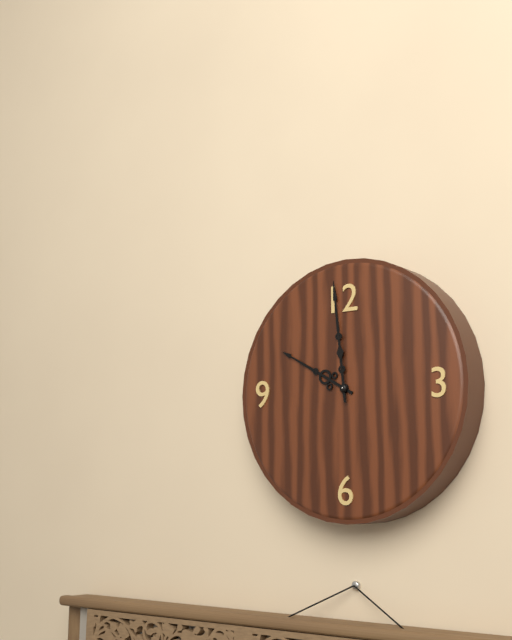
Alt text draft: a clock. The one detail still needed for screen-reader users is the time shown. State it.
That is 9:59
